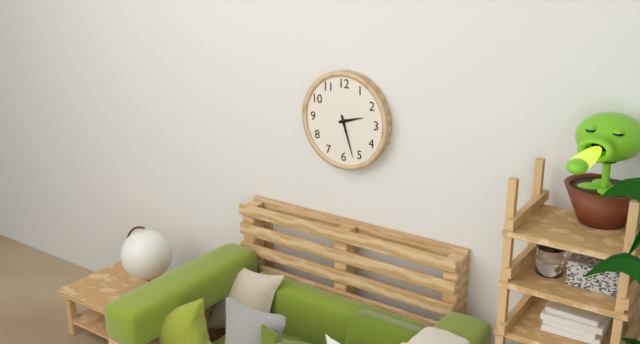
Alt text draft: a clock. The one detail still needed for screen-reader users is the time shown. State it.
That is 2:27
